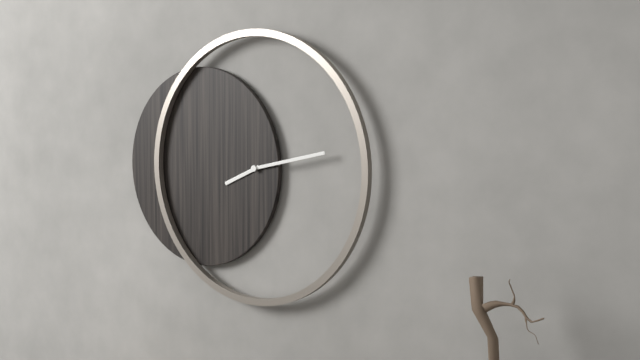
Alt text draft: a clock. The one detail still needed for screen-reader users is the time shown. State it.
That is 8:13
